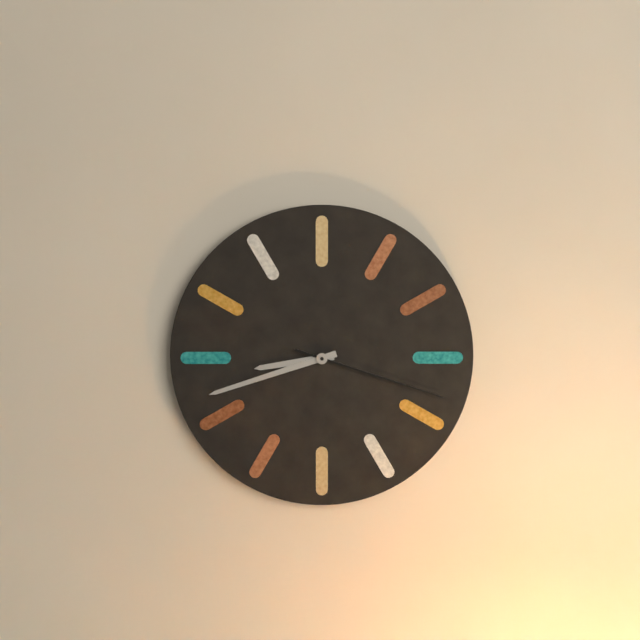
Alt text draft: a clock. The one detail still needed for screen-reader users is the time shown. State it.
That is 8:42:18
